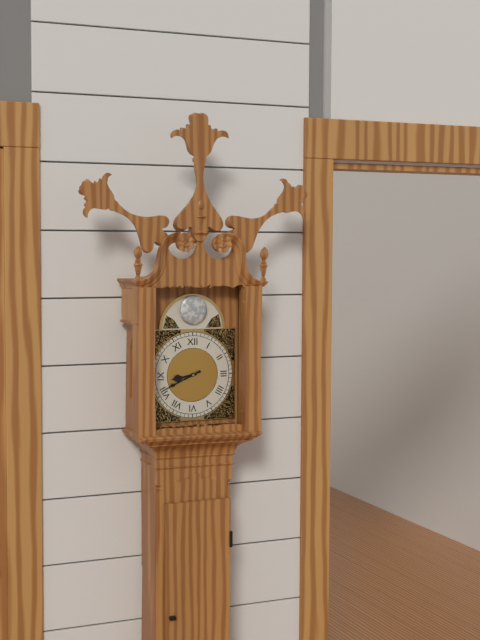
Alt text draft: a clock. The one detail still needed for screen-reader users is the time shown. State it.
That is 8:41
